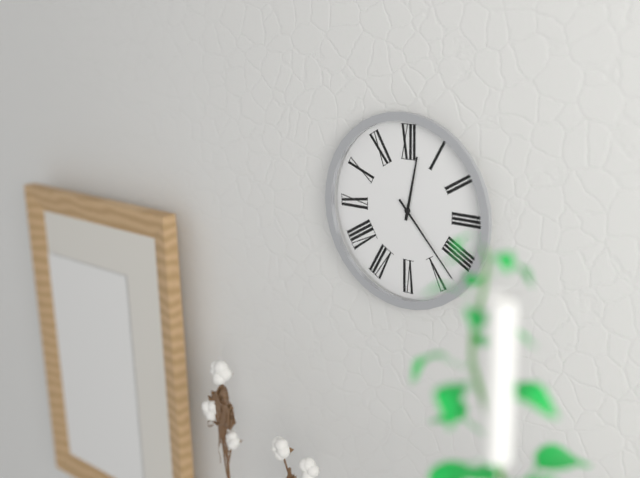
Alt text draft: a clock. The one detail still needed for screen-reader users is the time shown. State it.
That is 12:23
